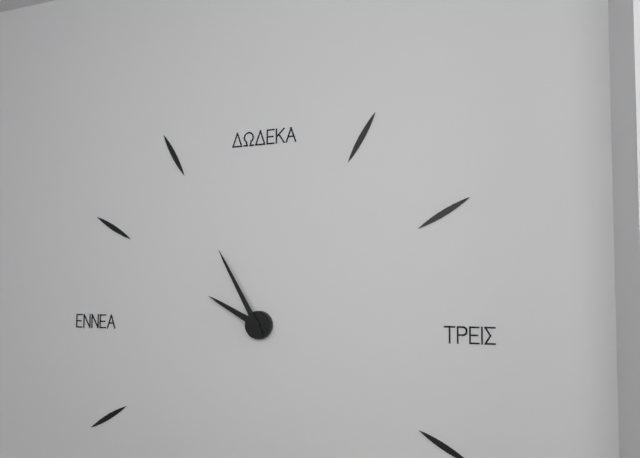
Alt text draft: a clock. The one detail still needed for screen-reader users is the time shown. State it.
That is 9:55
